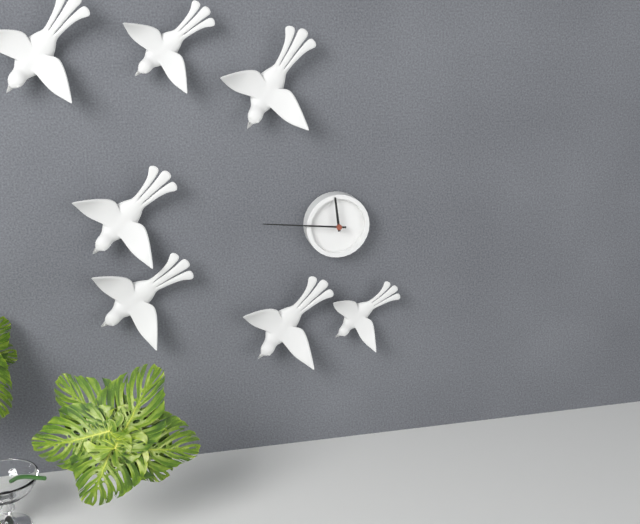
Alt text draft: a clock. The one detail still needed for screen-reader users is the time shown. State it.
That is 11:46
